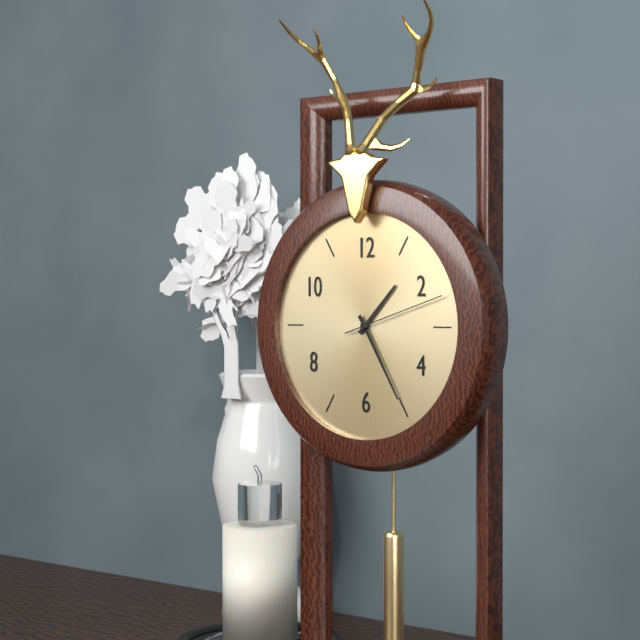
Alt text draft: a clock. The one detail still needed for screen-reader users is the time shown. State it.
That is 1:25:12
